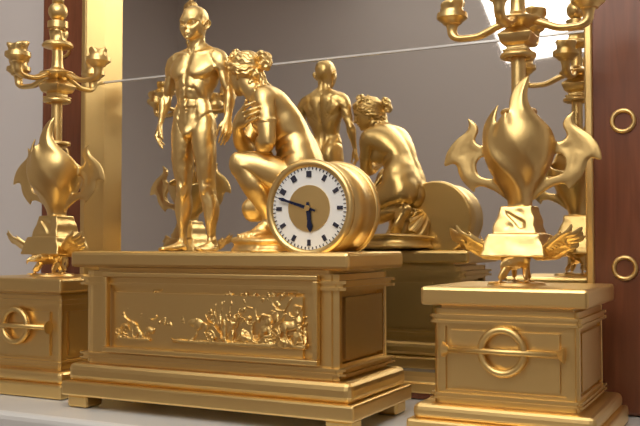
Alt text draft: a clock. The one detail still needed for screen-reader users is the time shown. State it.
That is 5:48
